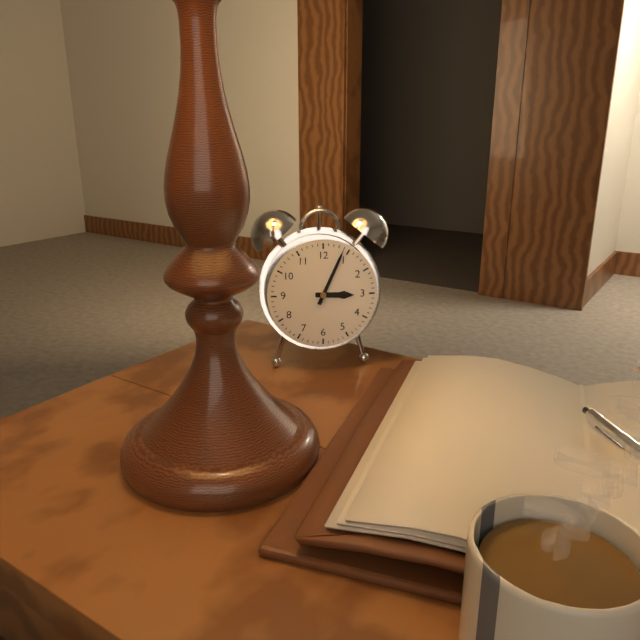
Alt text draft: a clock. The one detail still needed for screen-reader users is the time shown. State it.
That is 3:04
